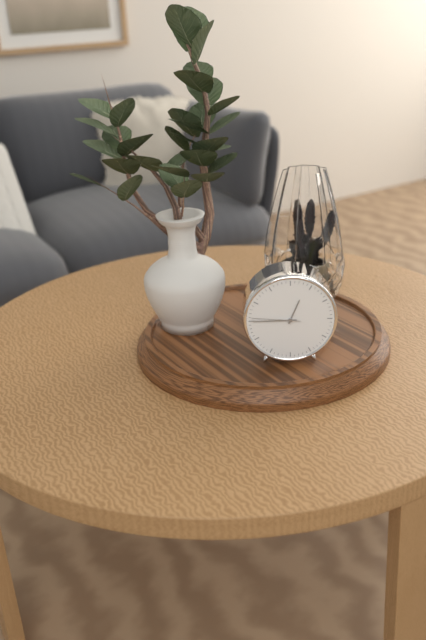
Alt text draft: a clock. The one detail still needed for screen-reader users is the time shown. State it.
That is 12:45
